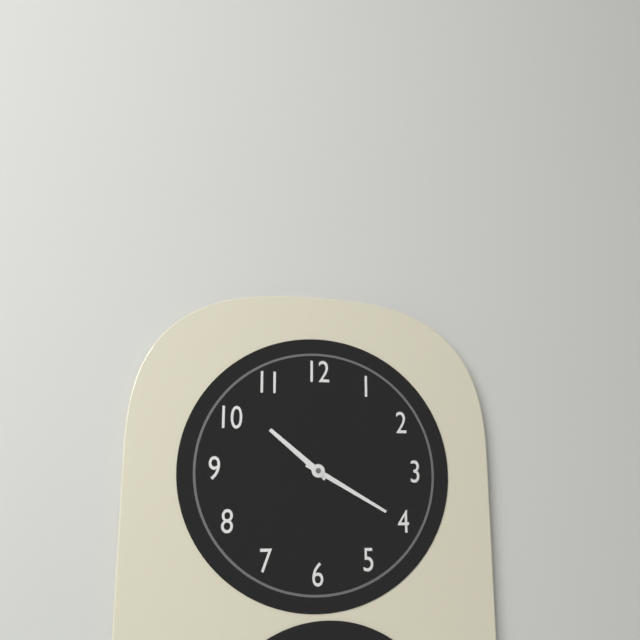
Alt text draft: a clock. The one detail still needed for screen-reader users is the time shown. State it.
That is 10:20
